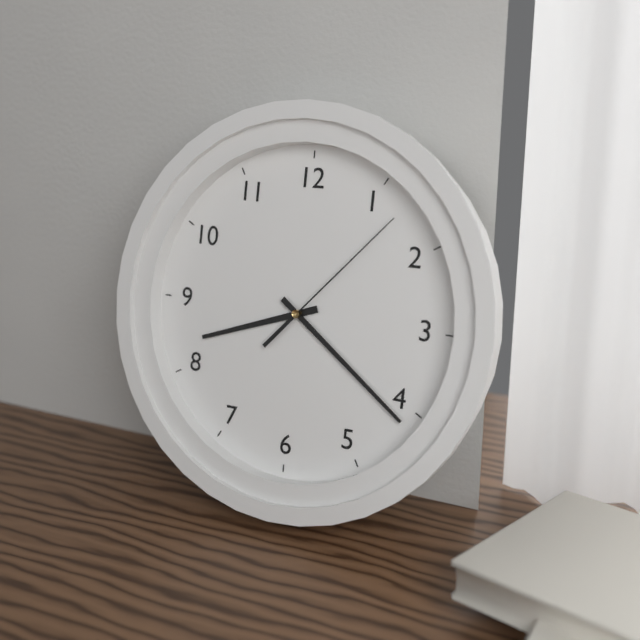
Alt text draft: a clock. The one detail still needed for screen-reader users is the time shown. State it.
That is 8:21:07
